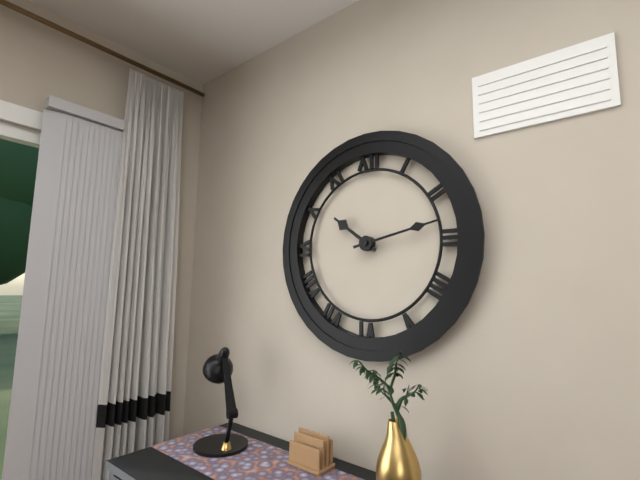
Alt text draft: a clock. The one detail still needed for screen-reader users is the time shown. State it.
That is 10:13
